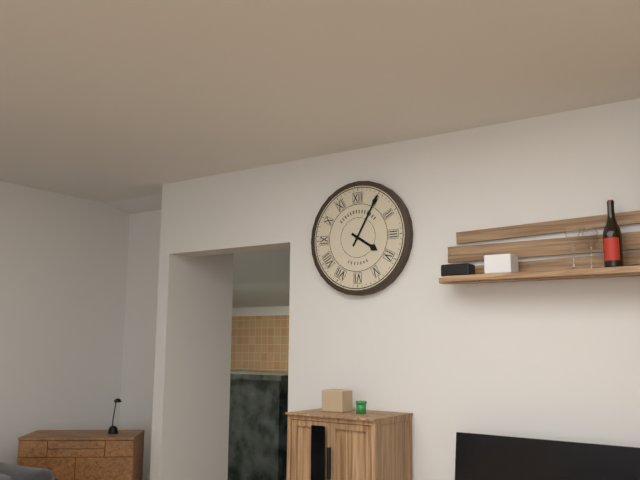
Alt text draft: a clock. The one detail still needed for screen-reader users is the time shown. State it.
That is 4:05
